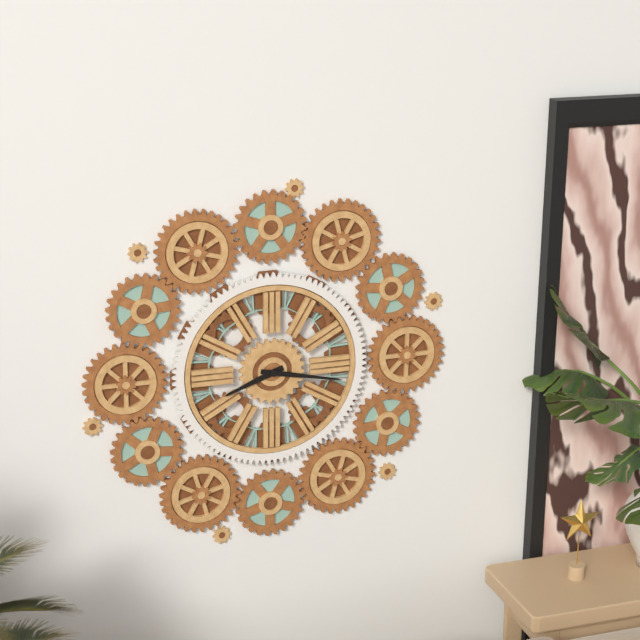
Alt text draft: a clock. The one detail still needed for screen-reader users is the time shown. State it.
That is 8:17
